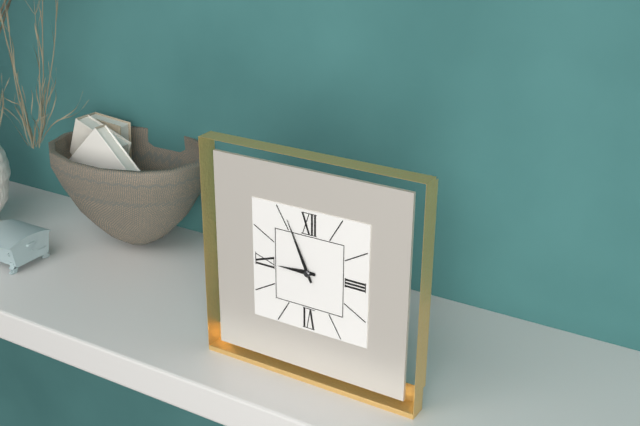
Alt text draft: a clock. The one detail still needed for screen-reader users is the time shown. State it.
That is 8:56
